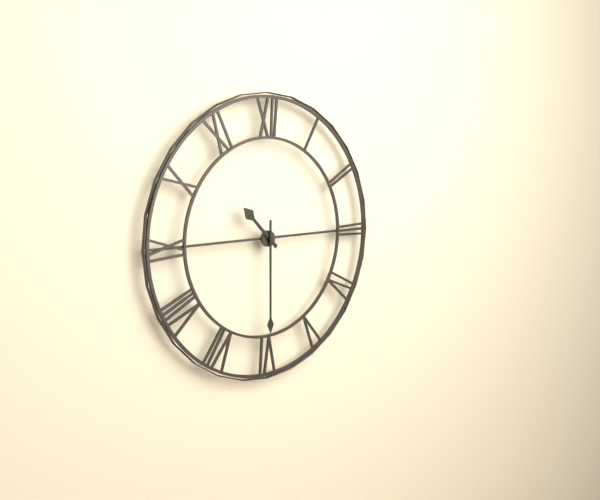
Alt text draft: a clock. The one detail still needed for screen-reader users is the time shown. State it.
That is 10:30
